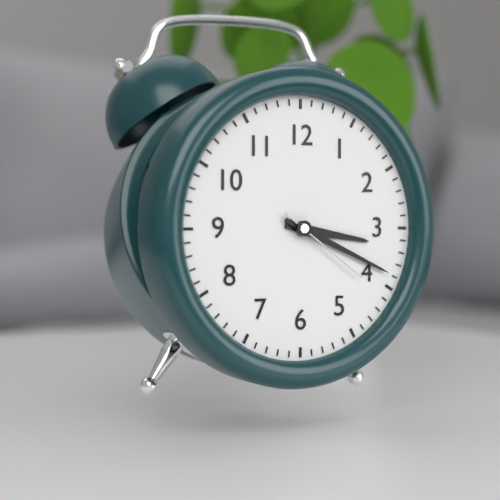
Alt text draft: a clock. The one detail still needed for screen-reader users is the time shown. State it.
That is 3:19:21
